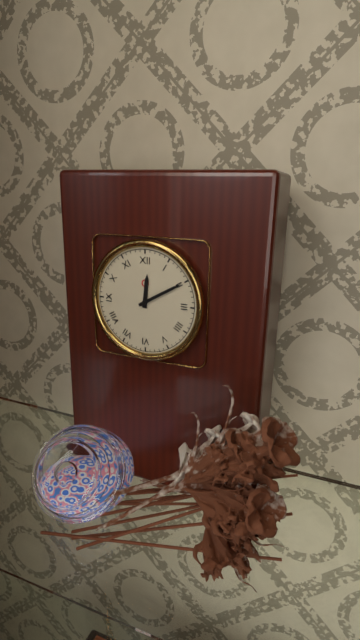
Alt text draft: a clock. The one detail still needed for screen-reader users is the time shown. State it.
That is 12:10
